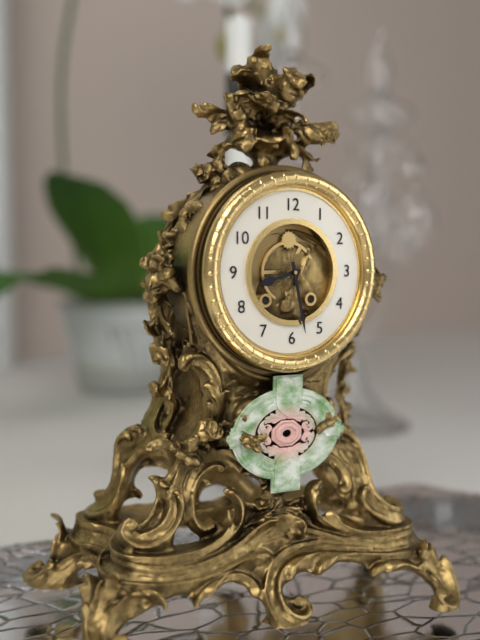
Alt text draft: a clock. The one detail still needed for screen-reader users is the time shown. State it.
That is 8:28
